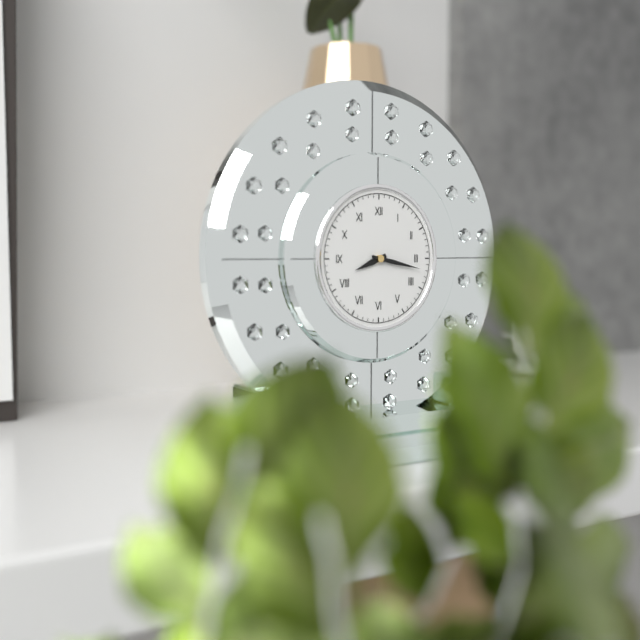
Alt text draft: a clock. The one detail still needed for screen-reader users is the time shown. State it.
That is 8:17
